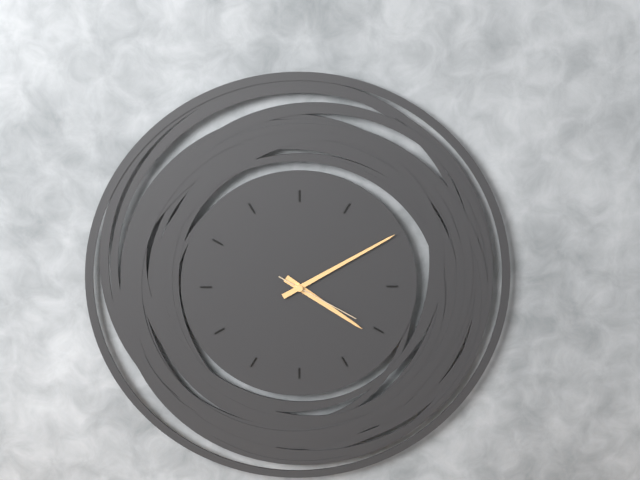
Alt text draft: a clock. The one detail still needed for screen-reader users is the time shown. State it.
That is 4:10:20
